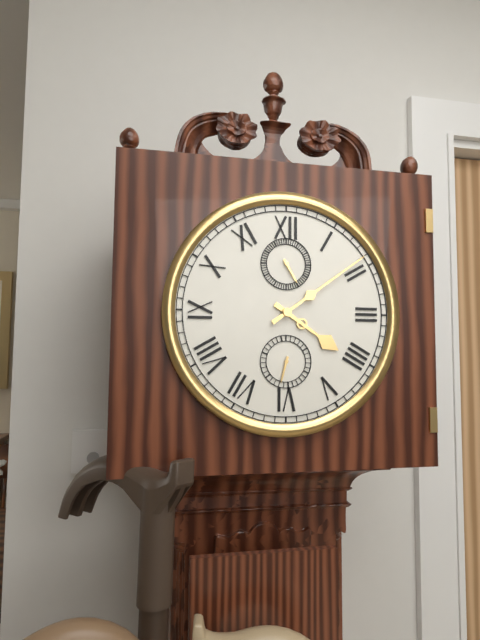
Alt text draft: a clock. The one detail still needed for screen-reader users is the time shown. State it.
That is 4:09
